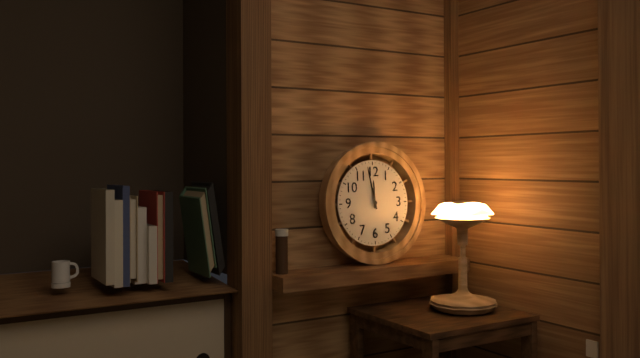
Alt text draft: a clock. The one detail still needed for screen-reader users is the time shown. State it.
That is 11:58
